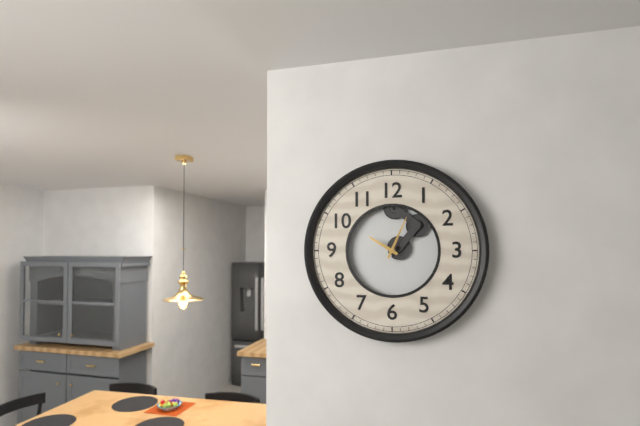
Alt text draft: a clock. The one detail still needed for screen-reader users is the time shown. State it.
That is 10:04
